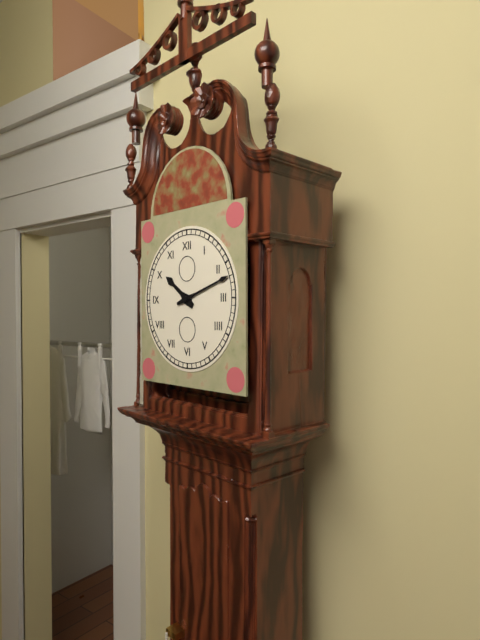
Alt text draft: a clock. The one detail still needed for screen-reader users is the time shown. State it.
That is 10:12
